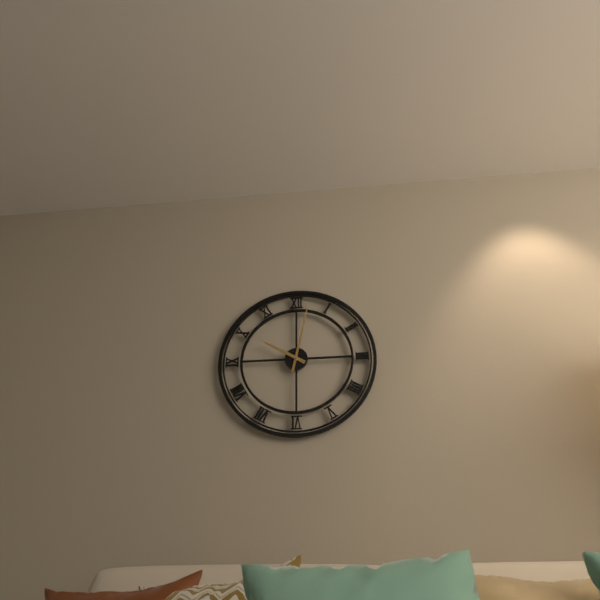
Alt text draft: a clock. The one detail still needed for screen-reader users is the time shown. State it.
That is 10:02
